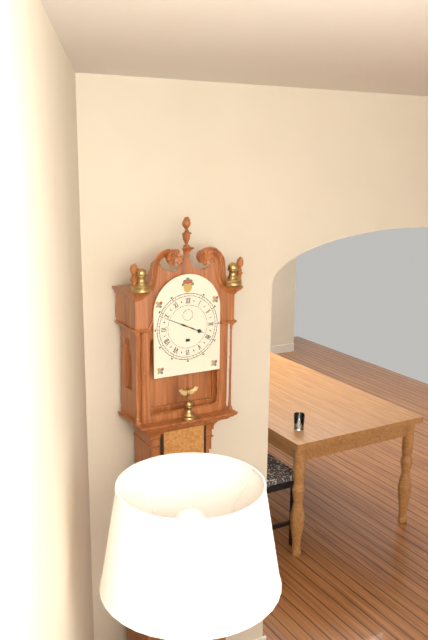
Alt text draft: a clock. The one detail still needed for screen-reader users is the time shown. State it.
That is 3:49
